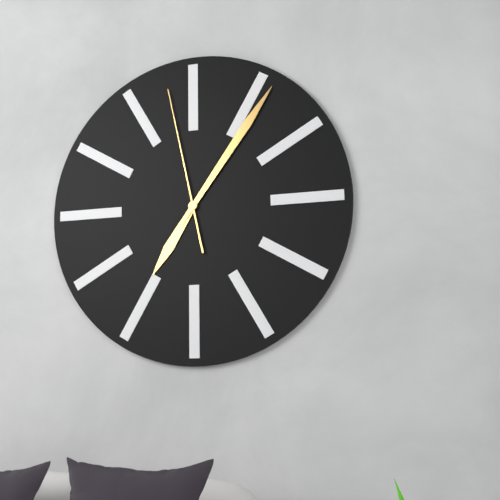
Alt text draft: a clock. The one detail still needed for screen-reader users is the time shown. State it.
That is 7:06:58
